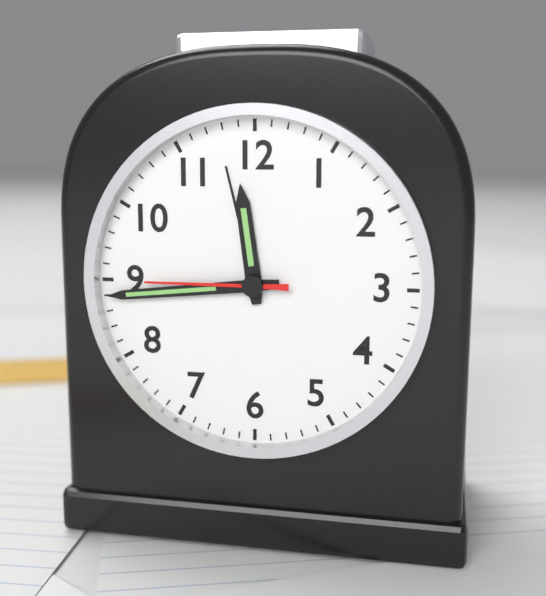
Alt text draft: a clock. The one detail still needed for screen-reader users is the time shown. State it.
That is 11:44:45
